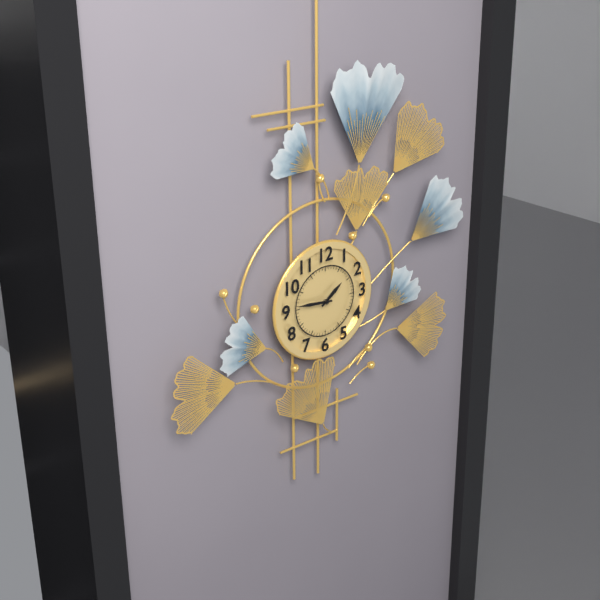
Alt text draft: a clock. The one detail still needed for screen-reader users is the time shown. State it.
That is 1:46
